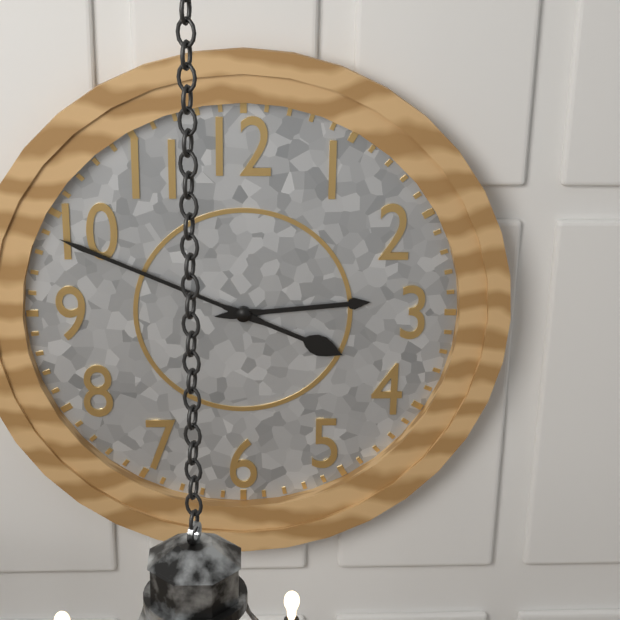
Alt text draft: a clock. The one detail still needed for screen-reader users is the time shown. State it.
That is 2:49
